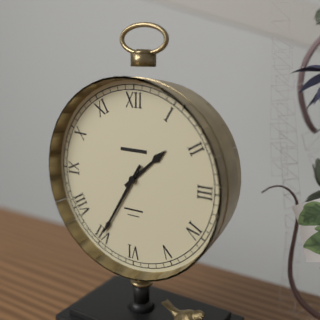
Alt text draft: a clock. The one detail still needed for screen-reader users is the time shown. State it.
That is 1:35
